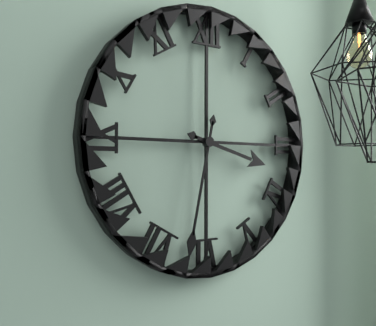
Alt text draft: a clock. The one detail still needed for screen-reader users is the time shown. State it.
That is 3:32
